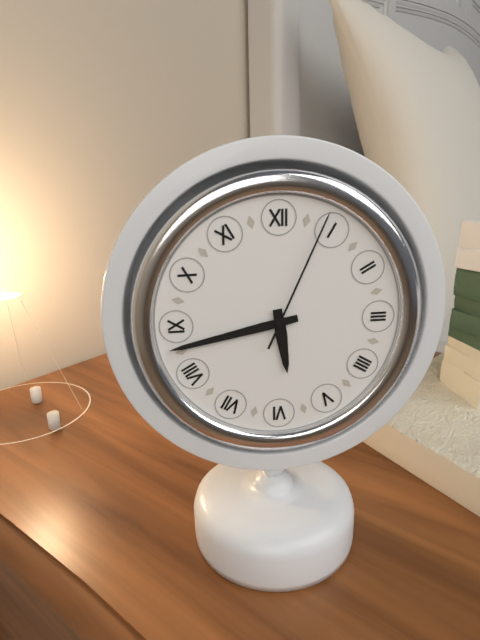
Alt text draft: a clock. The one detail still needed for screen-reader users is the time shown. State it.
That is 5:43:04
